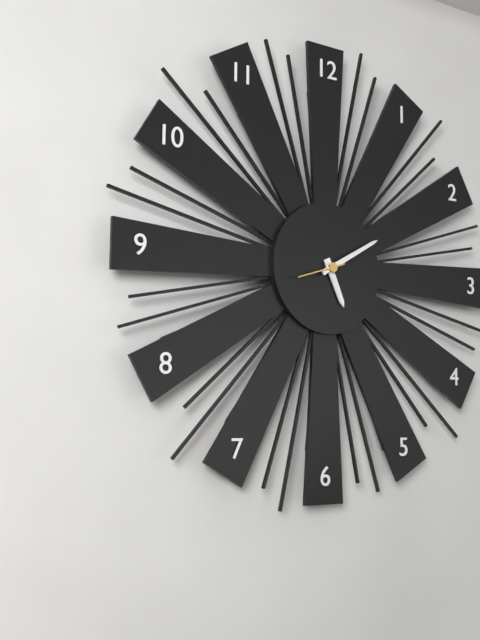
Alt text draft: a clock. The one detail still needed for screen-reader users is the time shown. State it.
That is 5:10
